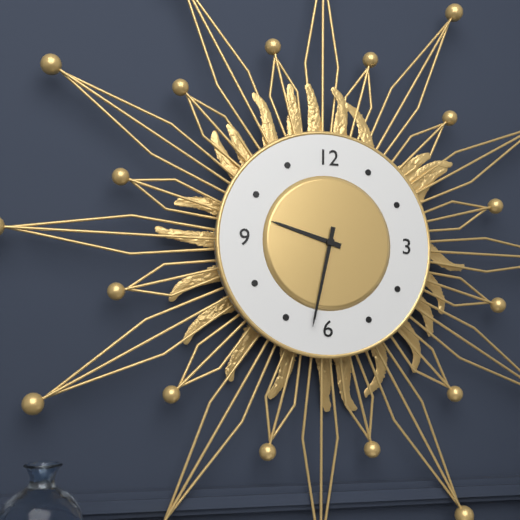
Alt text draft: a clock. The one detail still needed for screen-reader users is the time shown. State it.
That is 9:32
